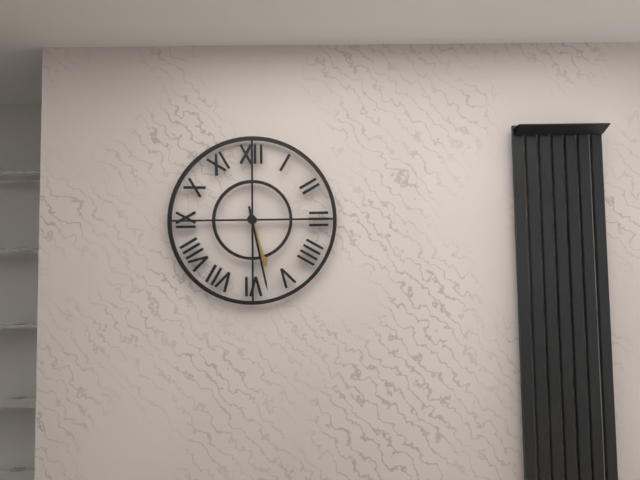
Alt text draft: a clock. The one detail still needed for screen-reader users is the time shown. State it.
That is 5:28
